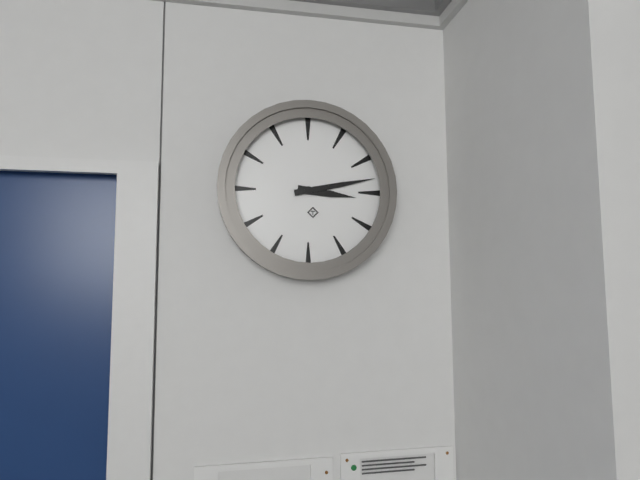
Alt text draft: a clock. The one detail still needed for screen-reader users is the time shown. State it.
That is 3:13
